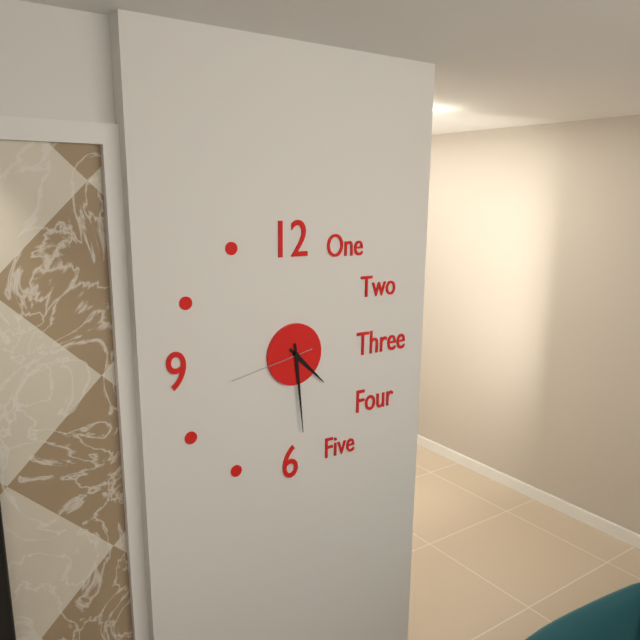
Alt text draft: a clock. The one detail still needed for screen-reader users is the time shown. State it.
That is 4:29:43
